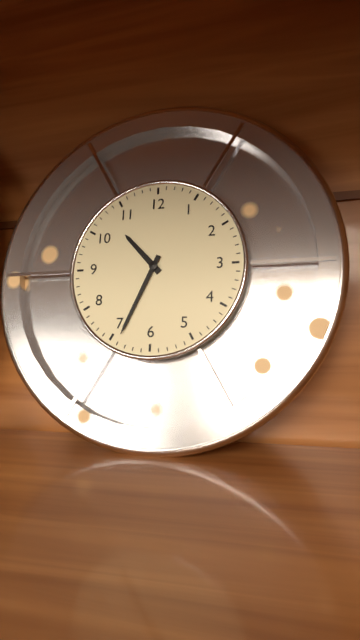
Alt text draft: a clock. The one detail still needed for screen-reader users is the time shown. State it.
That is 10:34
